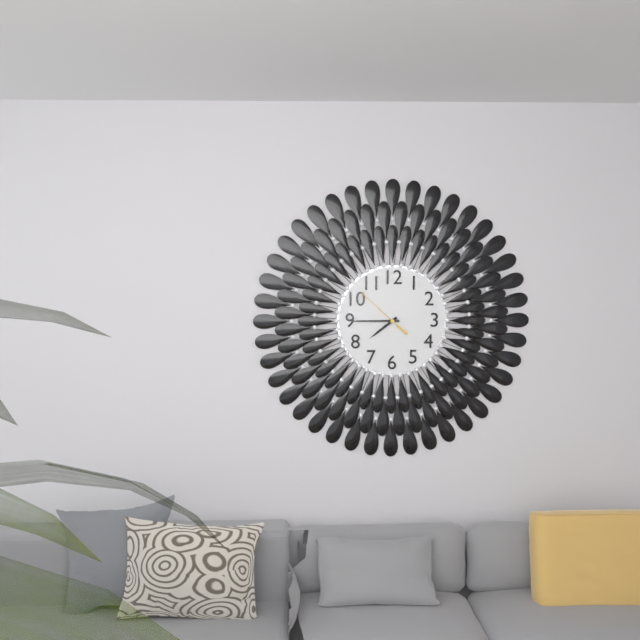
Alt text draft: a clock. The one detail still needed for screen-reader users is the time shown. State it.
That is 7:45:52
